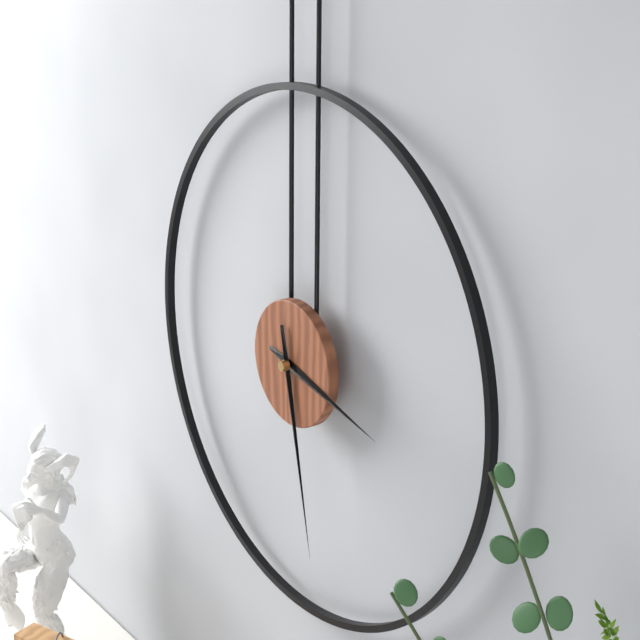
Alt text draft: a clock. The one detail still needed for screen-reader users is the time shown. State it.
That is 3:28
